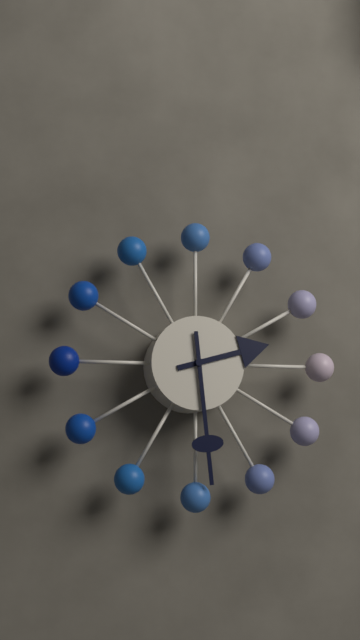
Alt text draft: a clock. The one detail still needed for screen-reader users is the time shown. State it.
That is 2:29
